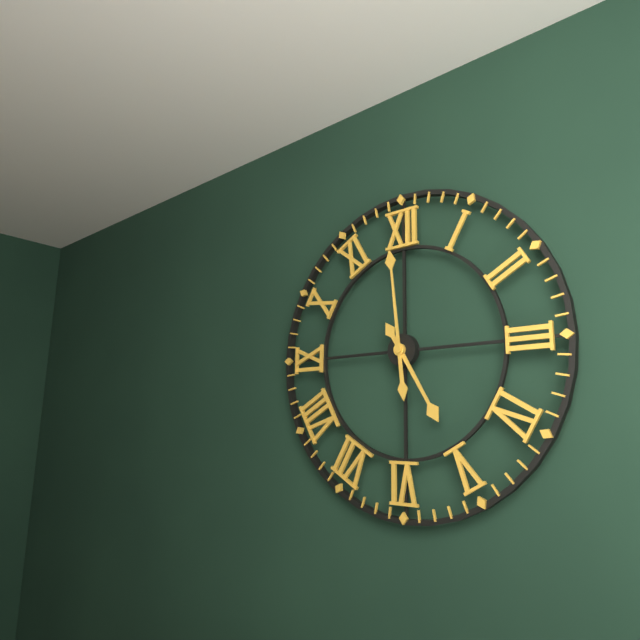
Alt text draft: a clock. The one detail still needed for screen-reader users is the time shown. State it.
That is 4:59
